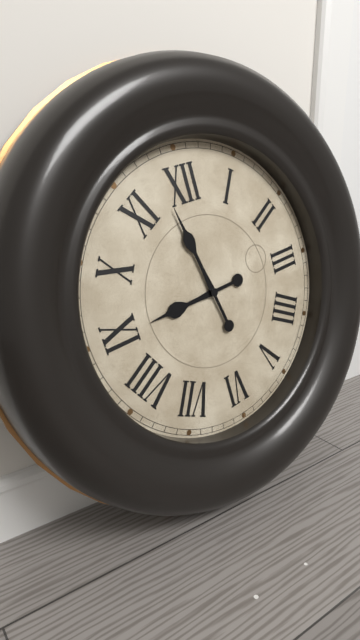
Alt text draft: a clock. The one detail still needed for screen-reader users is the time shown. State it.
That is 8:58
